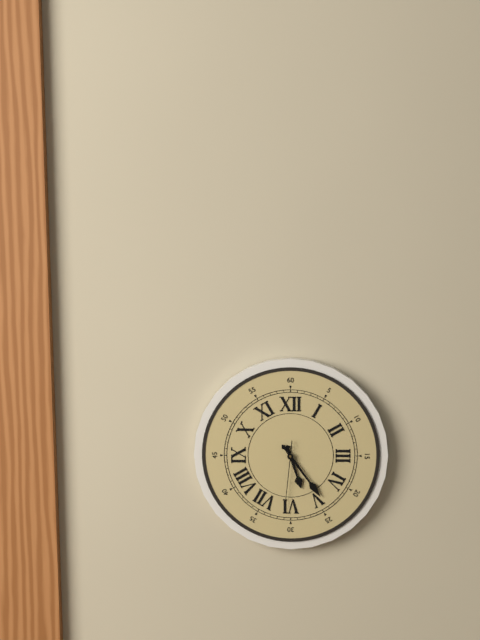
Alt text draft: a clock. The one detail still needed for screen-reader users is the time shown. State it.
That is 5:24:31
